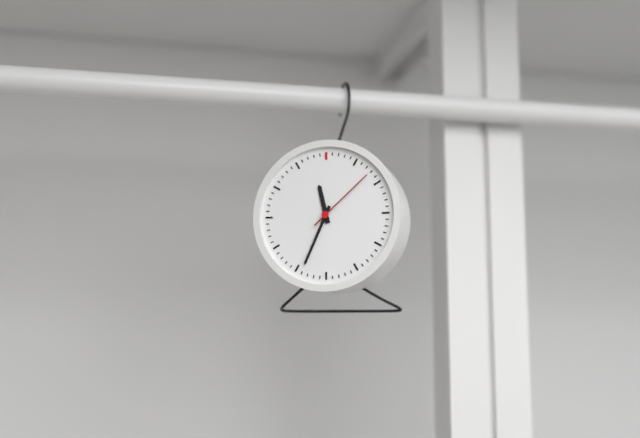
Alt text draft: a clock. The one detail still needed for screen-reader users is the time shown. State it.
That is 11:34:08
